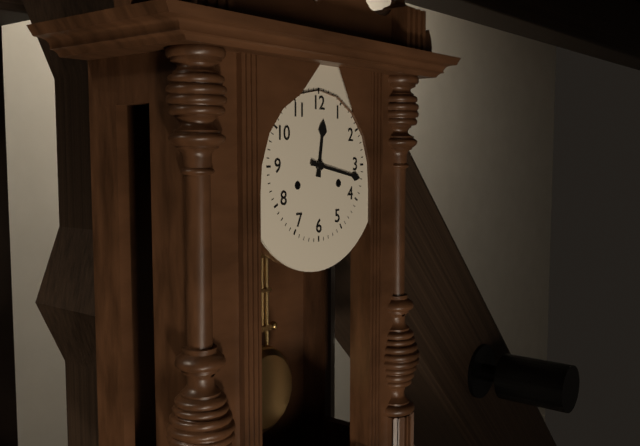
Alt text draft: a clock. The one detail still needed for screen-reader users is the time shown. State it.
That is 12:17
